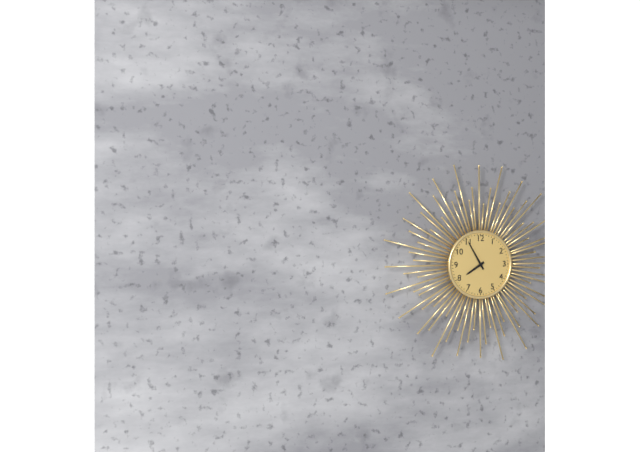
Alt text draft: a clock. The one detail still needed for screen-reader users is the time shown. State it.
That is 7:55
